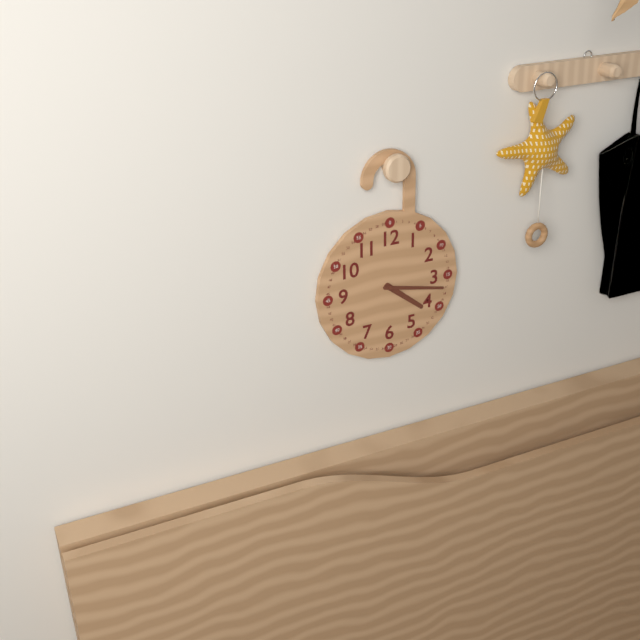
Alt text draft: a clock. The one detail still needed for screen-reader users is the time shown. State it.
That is 4:17
